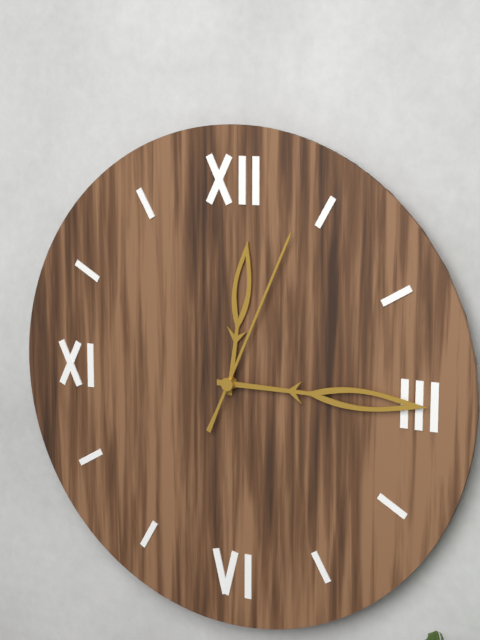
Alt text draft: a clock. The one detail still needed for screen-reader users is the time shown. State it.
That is 12:15:04
